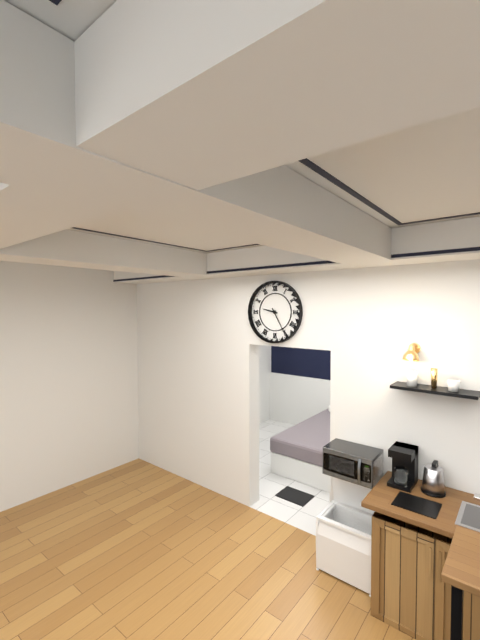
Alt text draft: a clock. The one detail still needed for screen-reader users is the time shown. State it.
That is 9:25
